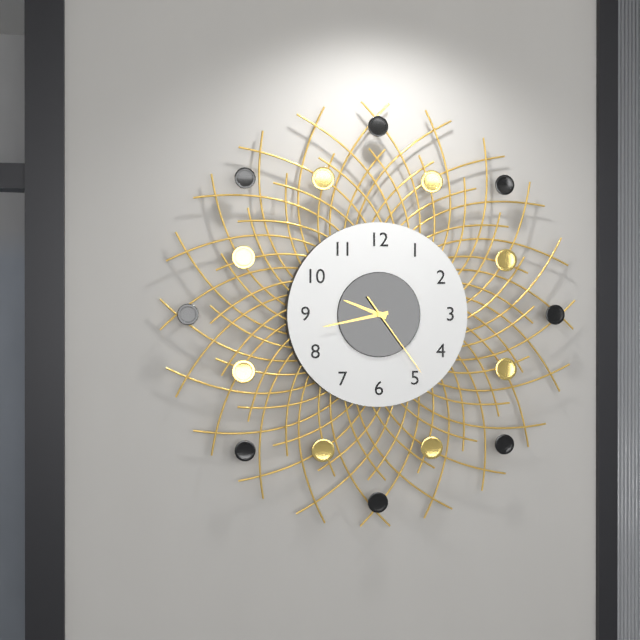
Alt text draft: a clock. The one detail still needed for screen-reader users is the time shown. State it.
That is 9:43:24
